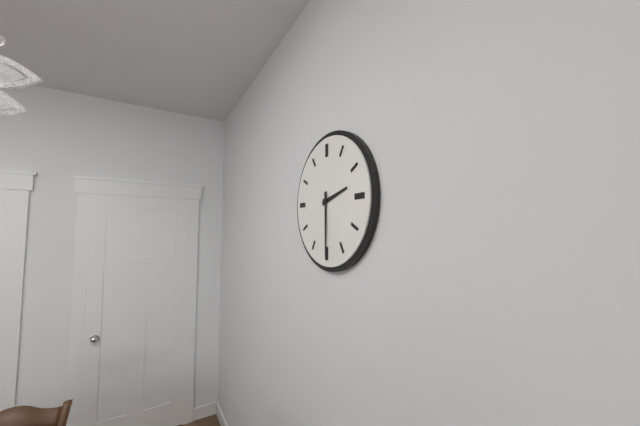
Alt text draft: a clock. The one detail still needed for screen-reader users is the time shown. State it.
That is 2:30
